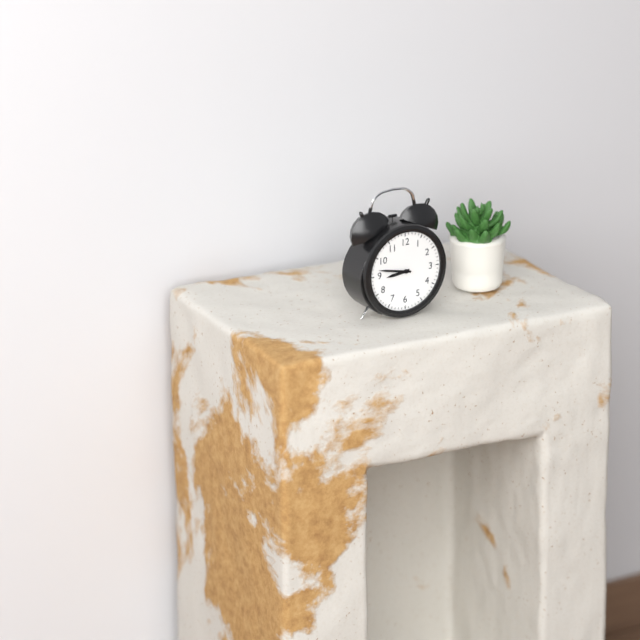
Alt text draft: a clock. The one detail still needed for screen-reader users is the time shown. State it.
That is 8:47
